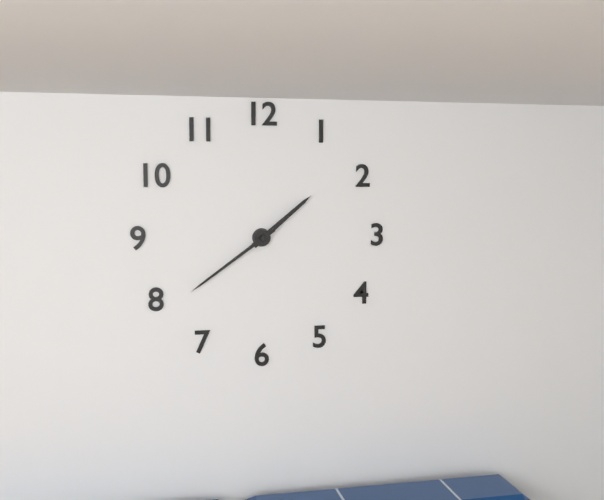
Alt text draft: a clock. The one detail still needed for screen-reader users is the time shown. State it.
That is 1:39
